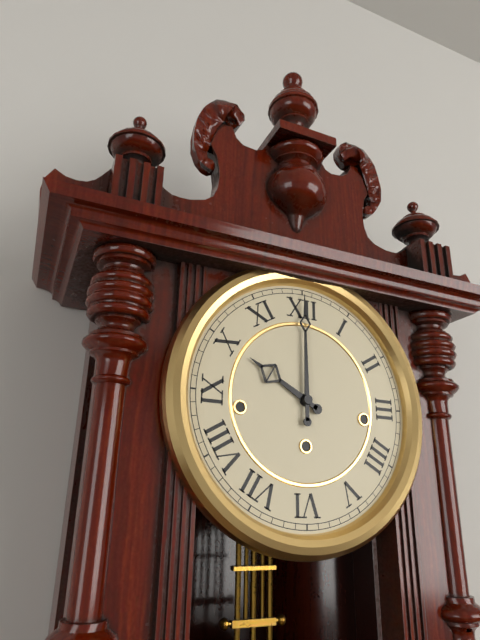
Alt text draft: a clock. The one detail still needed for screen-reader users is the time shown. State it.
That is 10:00
